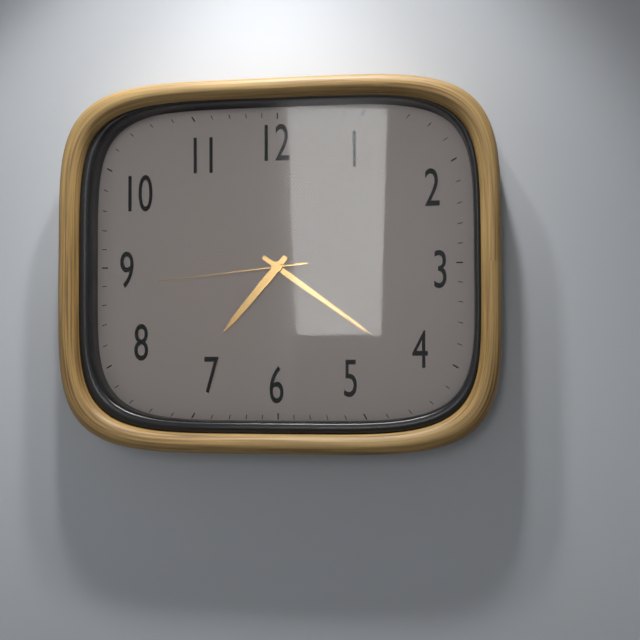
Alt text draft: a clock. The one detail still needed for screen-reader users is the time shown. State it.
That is 7:21:44
